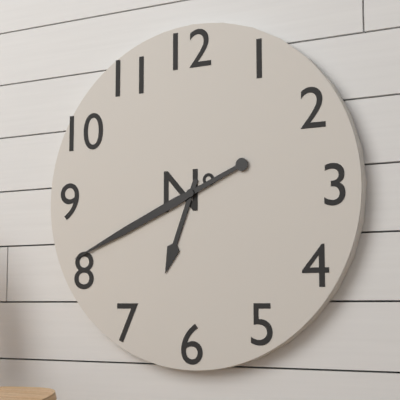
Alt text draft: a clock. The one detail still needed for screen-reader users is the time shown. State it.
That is 6:41
